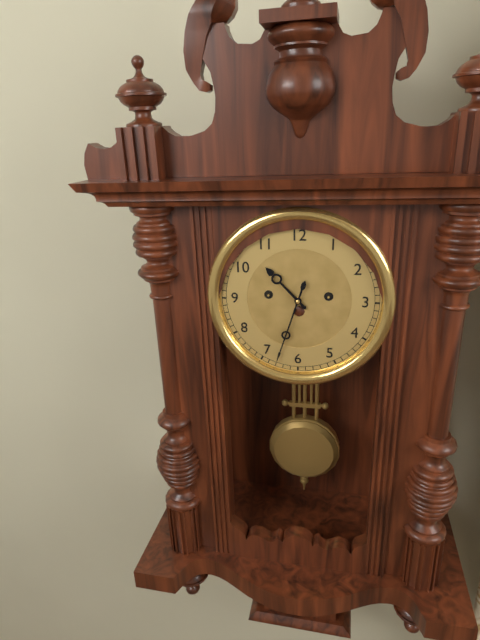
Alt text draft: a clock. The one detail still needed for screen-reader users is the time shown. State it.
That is 10:33
